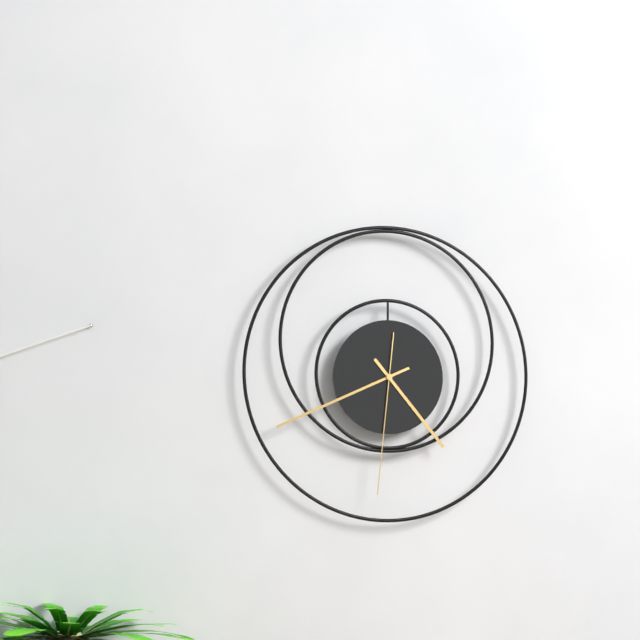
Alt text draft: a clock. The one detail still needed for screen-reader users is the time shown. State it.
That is 4:41:31
